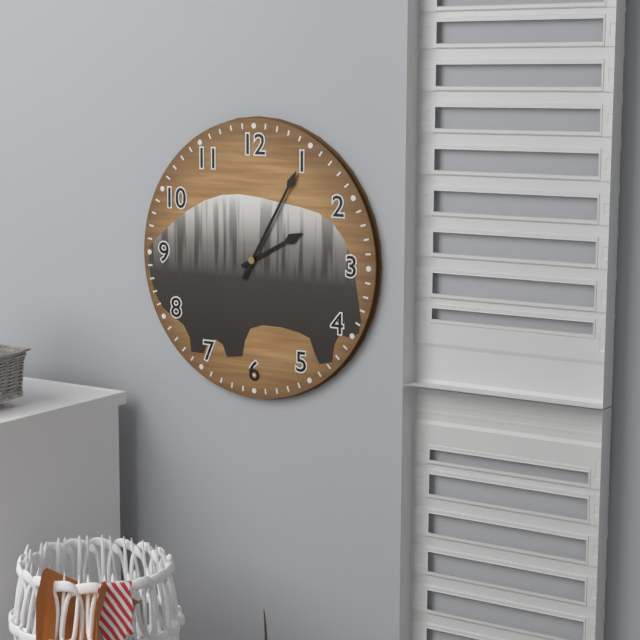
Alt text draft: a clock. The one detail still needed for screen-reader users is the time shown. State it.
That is 2:05
